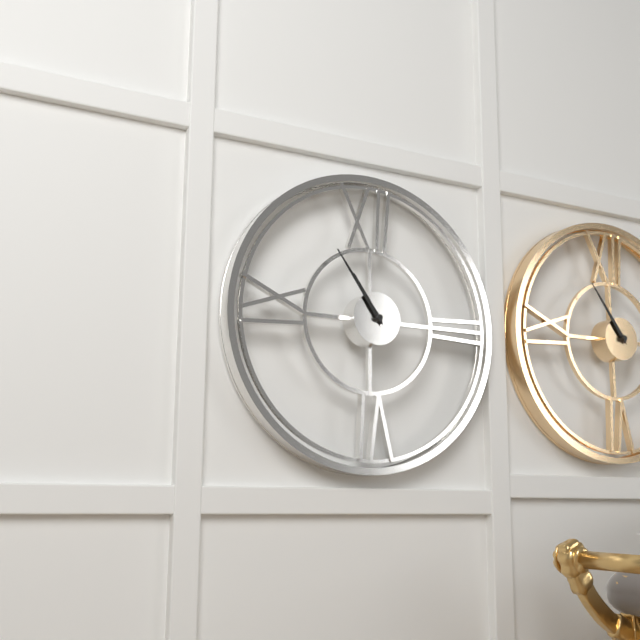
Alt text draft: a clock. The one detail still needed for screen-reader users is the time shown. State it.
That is 10:54
